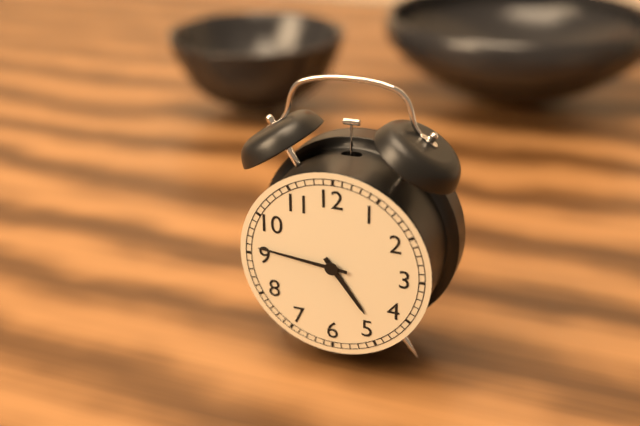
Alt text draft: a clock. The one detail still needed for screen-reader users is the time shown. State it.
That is 4:46
